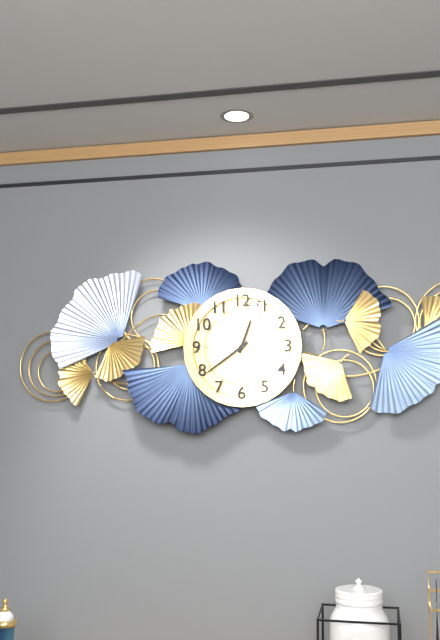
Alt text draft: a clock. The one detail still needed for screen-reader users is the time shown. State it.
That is 12:39
